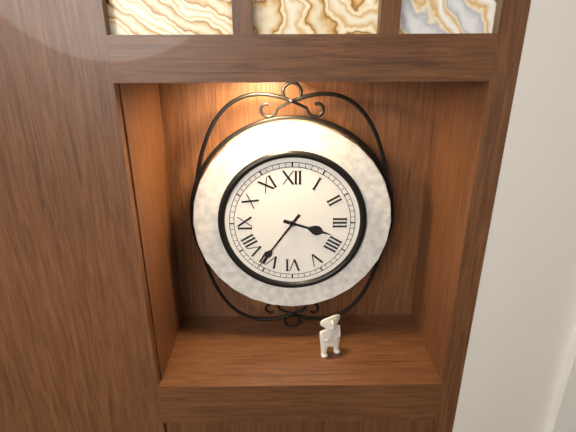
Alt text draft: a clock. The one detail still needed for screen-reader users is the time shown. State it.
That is 3:36
